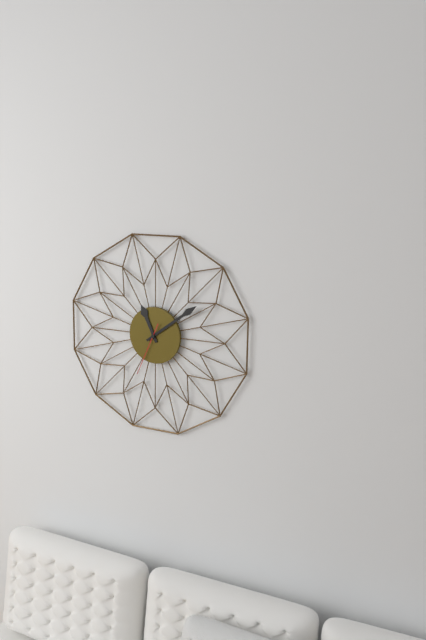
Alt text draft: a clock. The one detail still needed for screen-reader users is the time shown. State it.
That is 11:09:34
